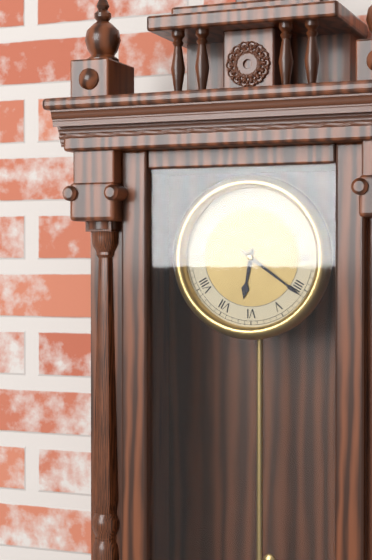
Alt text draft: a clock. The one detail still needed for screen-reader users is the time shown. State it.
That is 6:21
